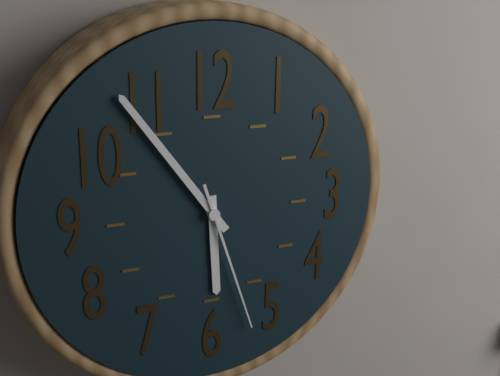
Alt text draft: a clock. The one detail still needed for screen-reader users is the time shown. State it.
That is 5:54:27
